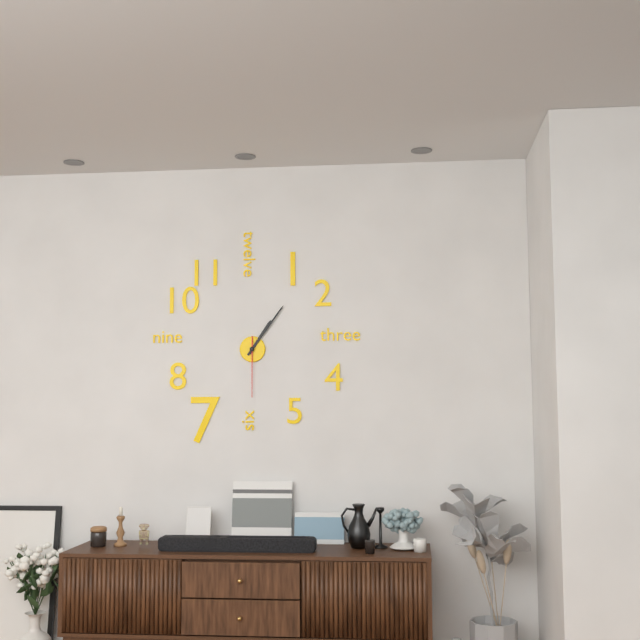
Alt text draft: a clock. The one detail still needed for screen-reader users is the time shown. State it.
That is 1:06:30
